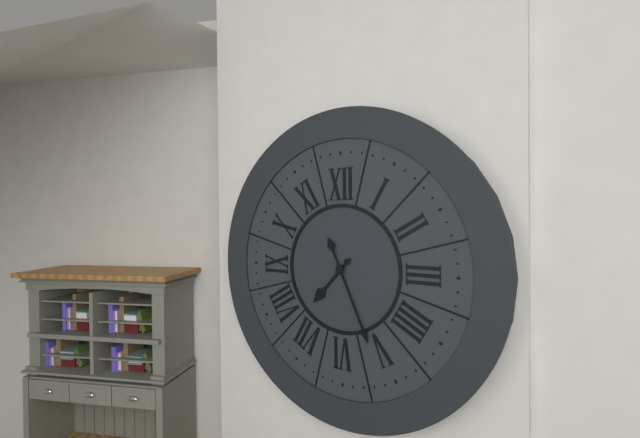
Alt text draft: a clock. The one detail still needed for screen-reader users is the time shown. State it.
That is 7:26
